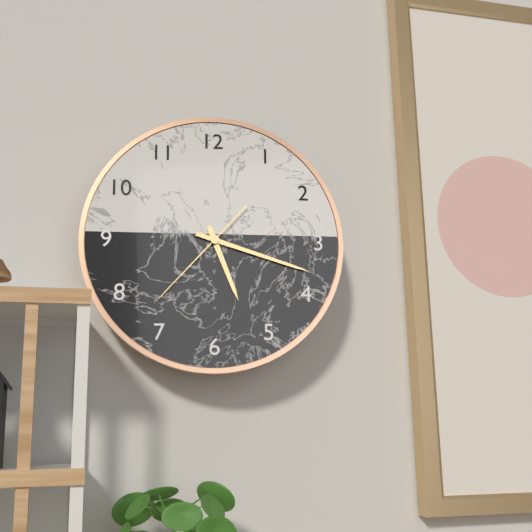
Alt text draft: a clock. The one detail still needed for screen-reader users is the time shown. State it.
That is 5:18:37
